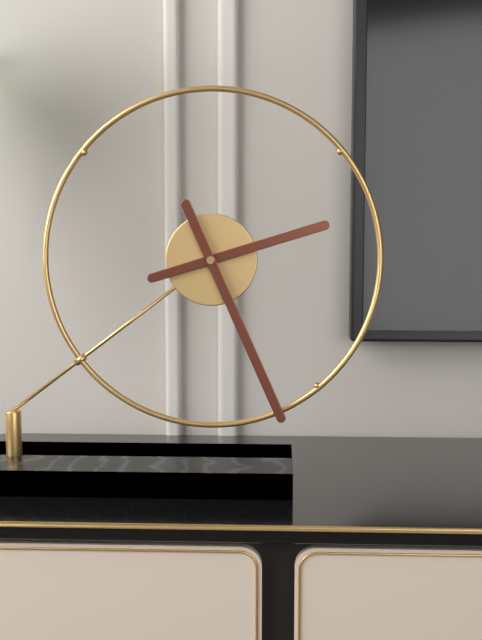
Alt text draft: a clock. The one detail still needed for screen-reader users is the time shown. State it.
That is 2:26
